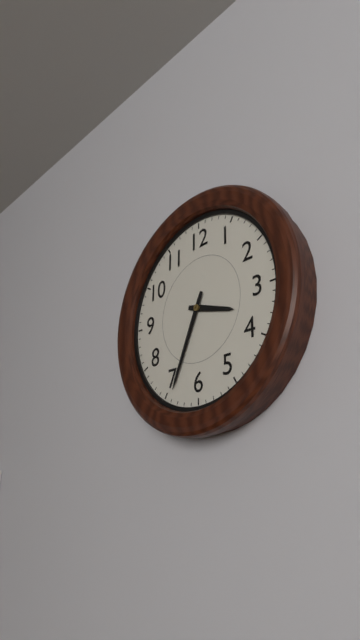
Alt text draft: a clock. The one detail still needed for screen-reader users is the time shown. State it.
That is 3:34
